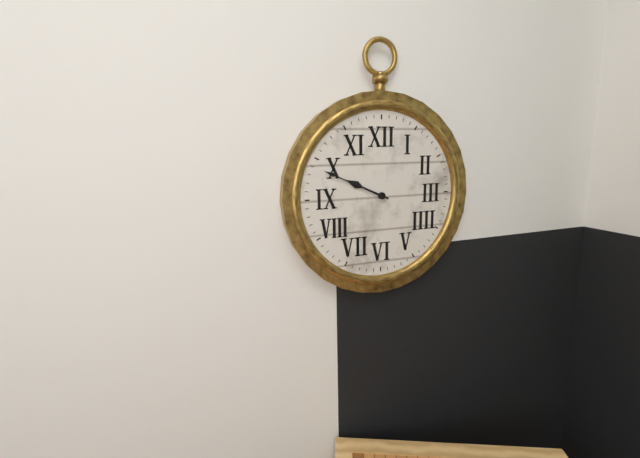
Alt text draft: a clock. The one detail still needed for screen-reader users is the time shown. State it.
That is 9:49
